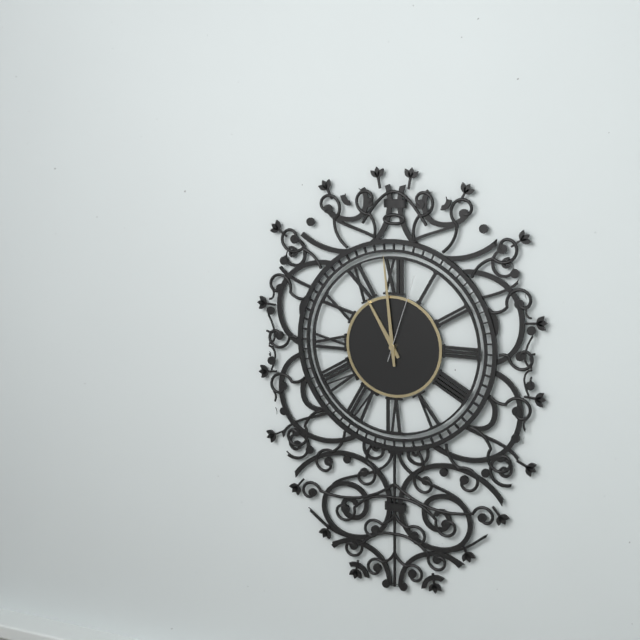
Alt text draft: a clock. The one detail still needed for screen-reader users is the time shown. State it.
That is 10:59:03
